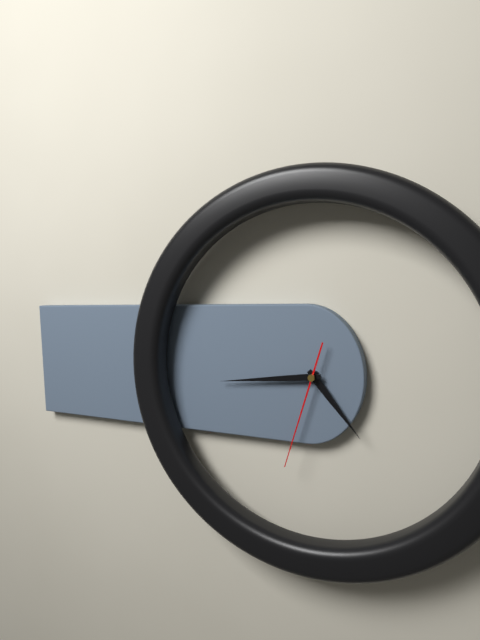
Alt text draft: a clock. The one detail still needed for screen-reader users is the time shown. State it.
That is 4:44:33
